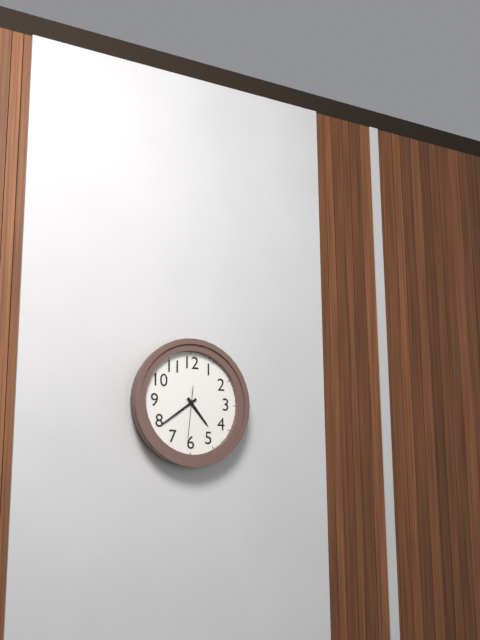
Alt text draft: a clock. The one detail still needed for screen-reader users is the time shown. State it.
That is 4:39:31
